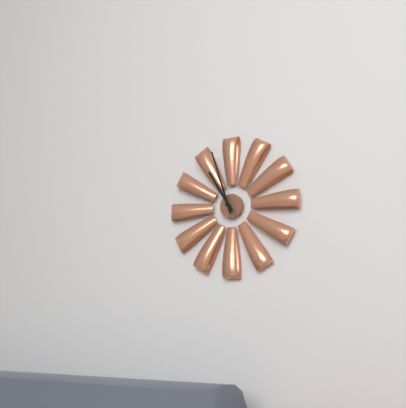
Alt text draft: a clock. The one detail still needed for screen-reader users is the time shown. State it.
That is 10:57
